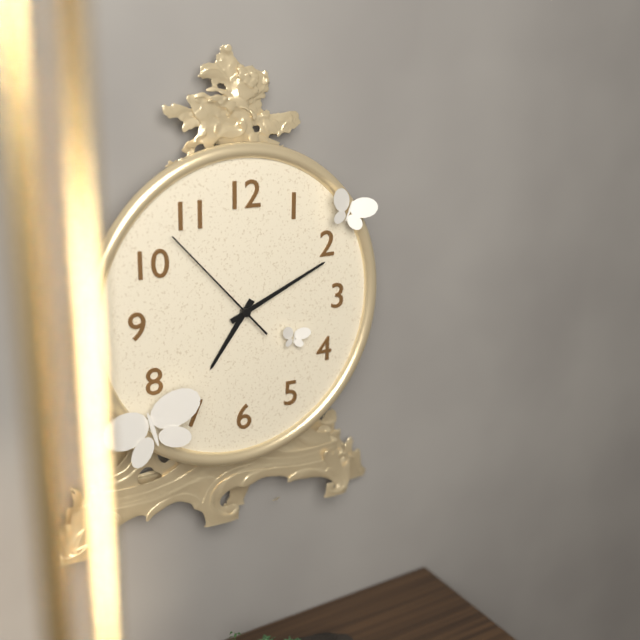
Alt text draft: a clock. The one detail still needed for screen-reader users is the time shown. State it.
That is 7:11:53
